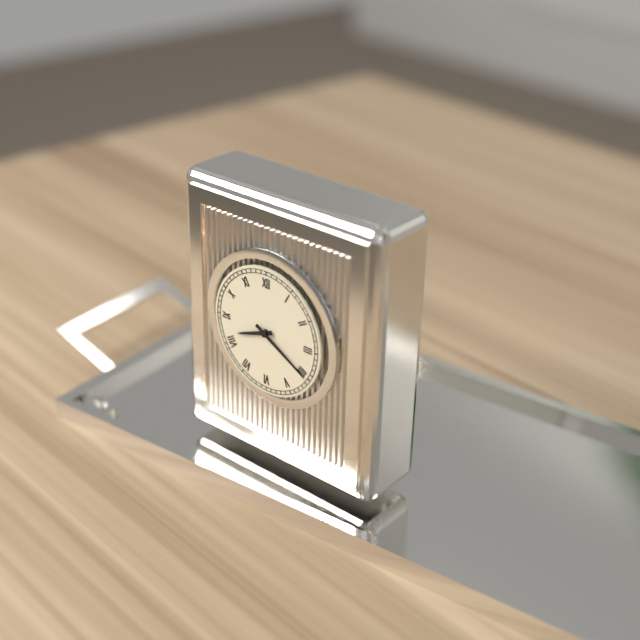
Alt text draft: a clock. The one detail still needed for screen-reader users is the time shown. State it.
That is 8:20
